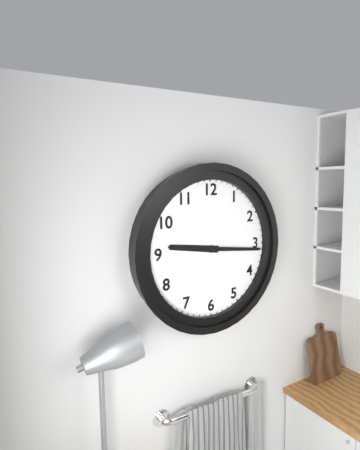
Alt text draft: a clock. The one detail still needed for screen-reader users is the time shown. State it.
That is 9:16
